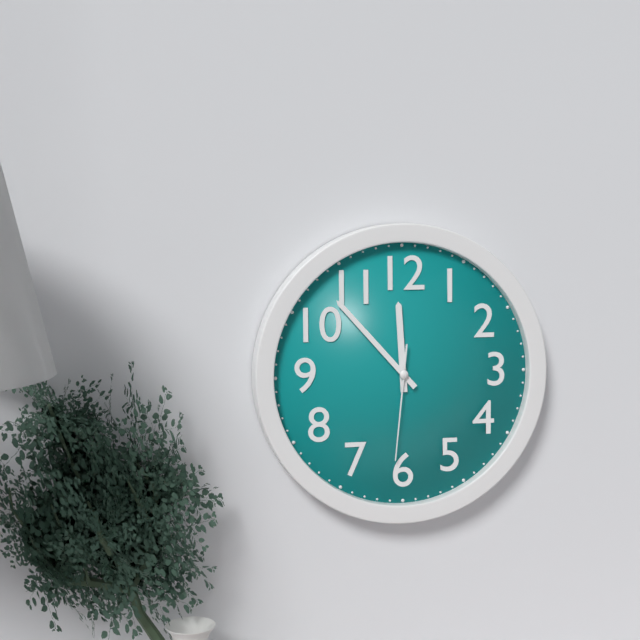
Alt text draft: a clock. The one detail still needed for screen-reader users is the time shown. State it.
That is 11:53:31
